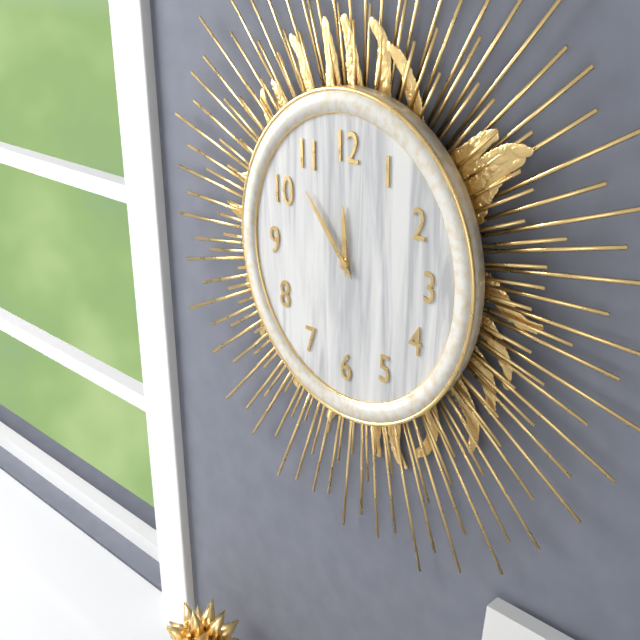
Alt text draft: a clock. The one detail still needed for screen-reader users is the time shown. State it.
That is 11:53
